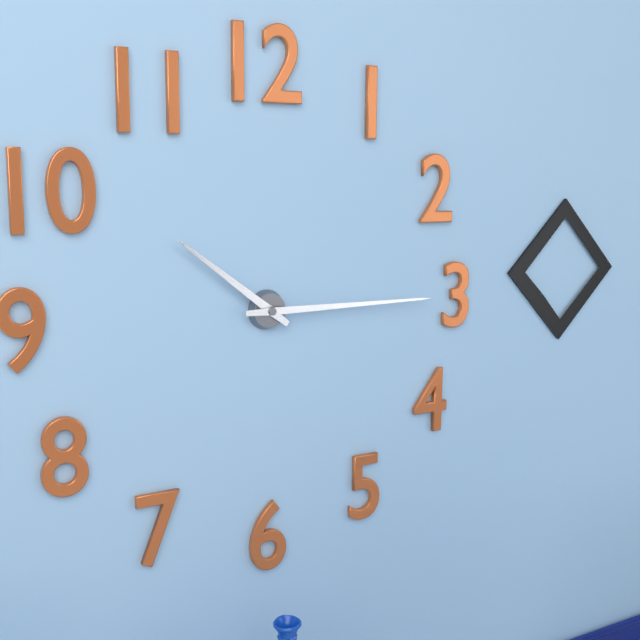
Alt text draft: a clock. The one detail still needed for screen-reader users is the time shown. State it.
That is 10:15
